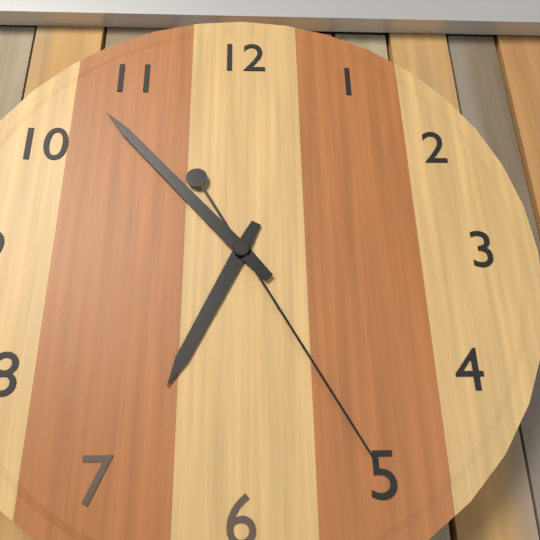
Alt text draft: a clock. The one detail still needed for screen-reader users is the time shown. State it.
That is 6:53:25
